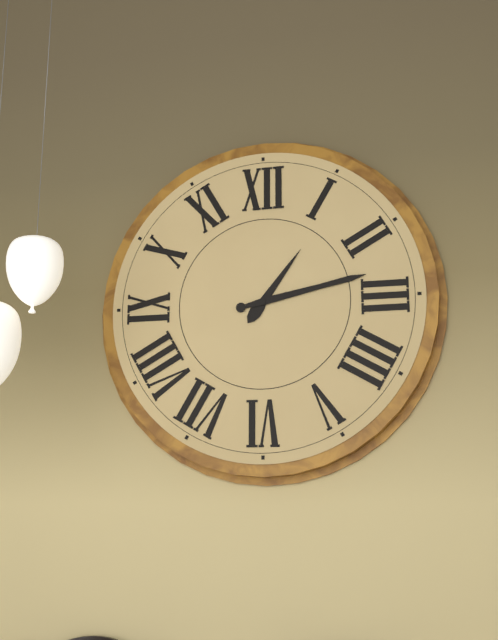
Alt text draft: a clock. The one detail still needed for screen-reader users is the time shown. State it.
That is 1:13
